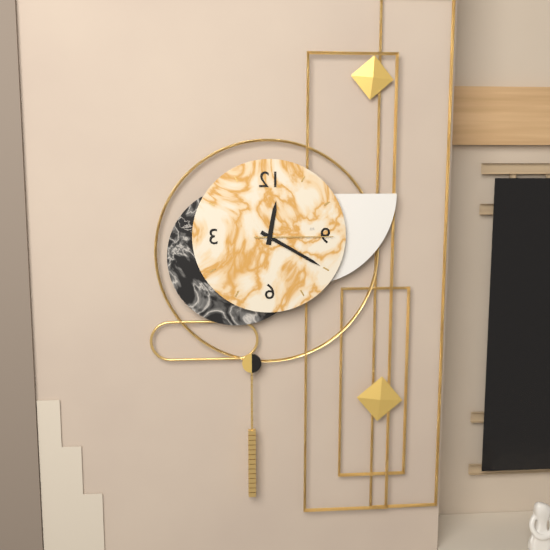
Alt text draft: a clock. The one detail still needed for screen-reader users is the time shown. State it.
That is 12:20:15
